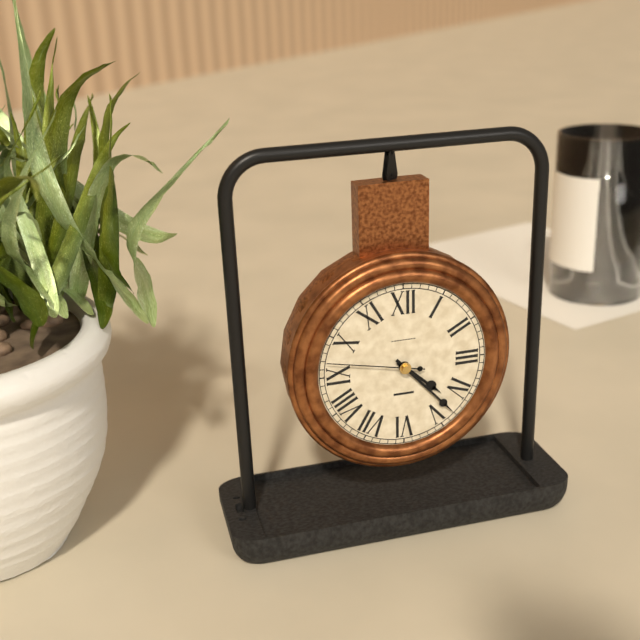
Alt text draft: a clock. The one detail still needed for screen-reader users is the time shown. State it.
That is 4:23:47
